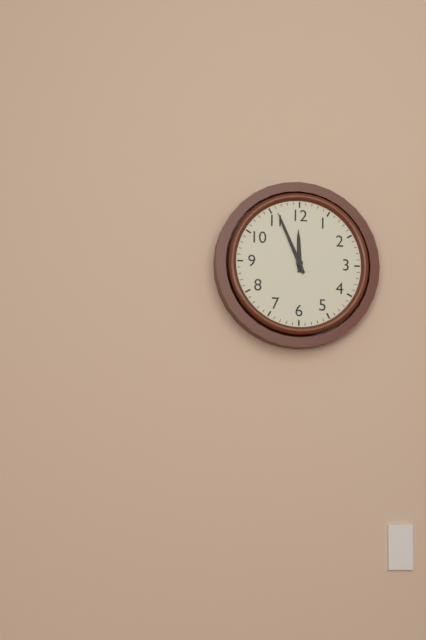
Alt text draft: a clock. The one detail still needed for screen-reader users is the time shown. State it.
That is 11:56
